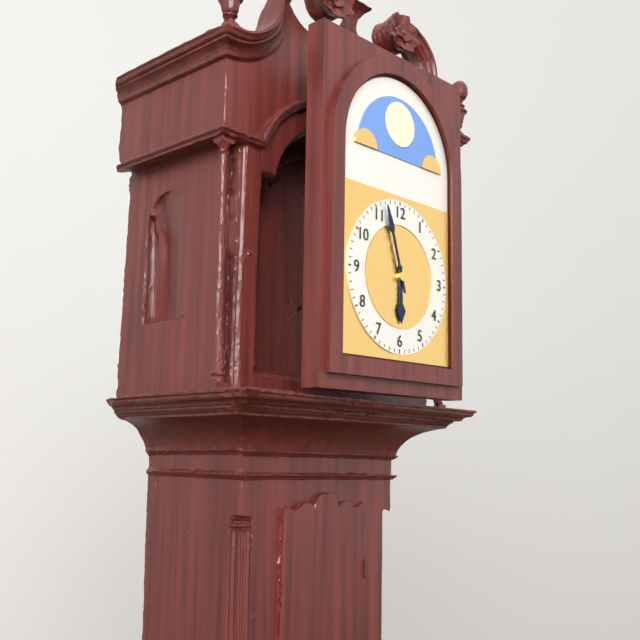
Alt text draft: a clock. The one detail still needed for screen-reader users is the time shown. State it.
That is 5:57
